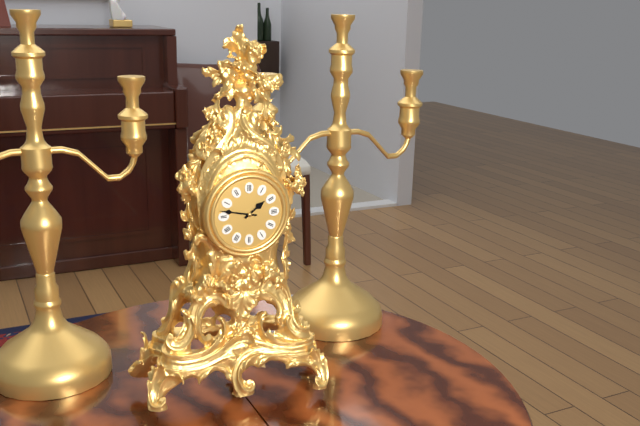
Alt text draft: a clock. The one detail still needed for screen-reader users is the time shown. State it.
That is 1:47
